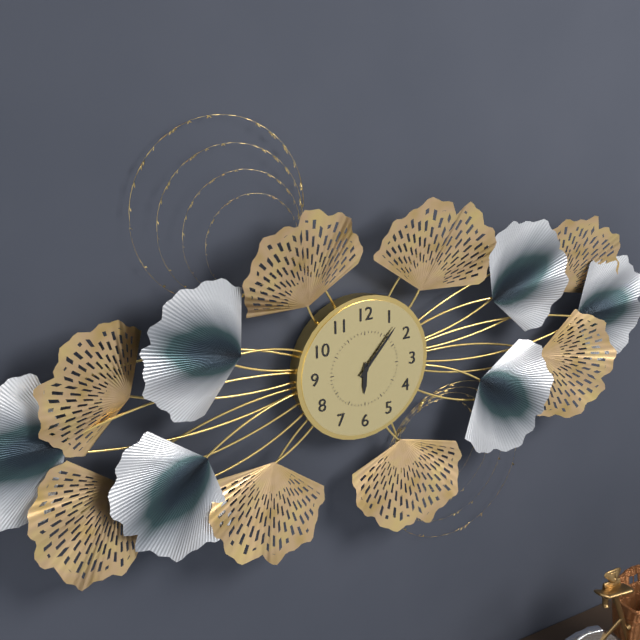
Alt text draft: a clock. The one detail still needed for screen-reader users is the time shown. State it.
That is 6:07
